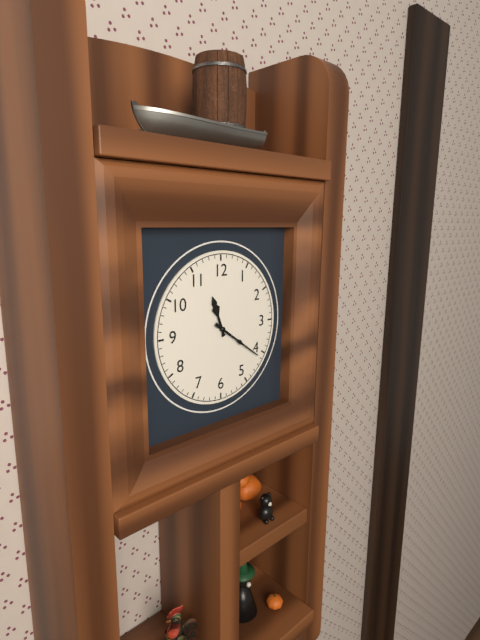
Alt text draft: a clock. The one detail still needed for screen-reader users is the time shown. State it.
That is 11:21
